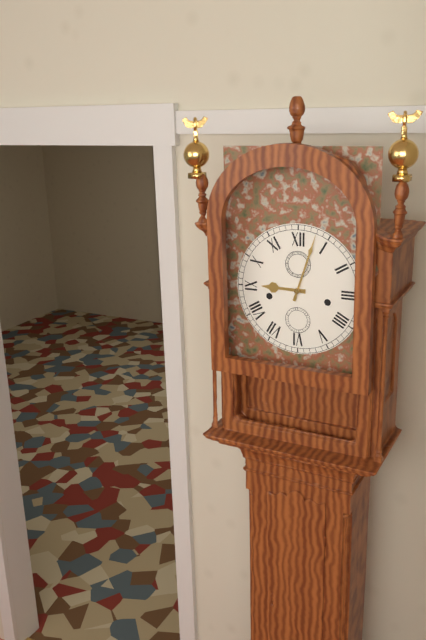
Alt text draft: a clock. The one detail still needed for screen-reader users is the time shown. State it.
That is 9:03
